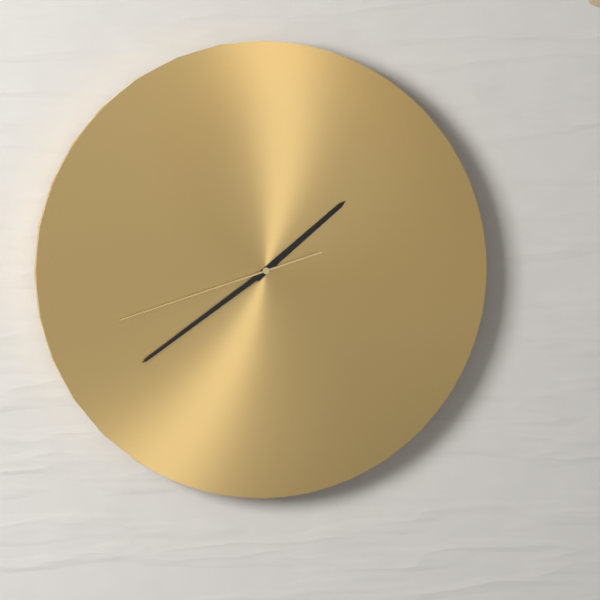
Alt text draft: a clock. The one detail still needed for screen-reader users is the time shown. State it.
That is 1:39:42
